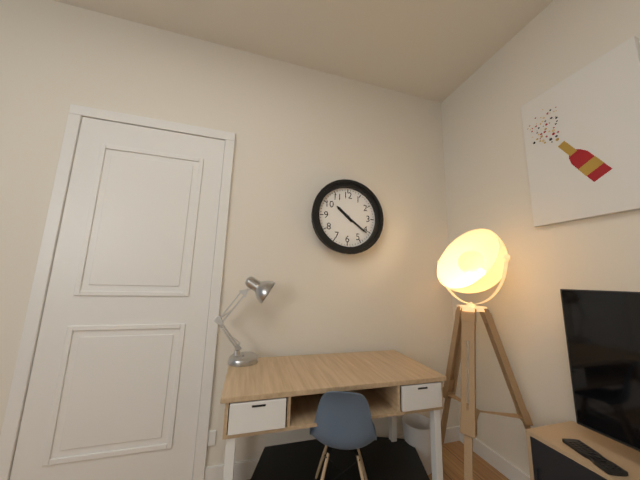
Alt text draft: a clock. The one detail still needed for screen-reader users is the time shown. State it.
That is 10:21
